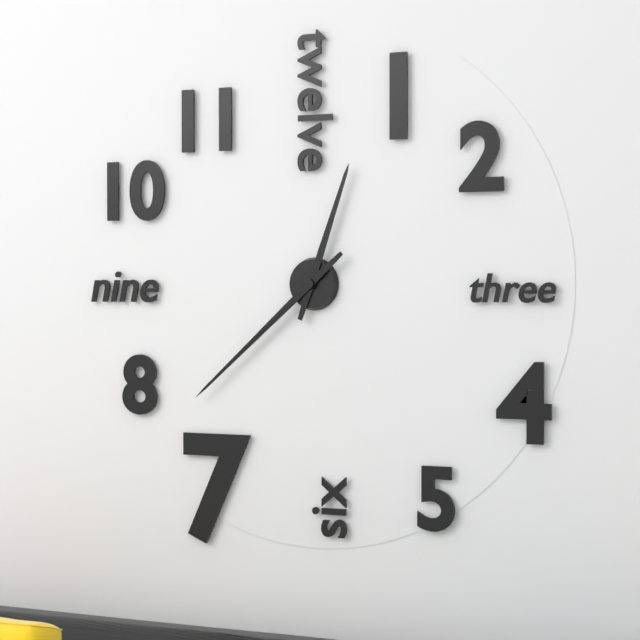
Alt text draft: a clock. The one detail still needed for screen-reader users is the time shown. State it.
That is 12:38
